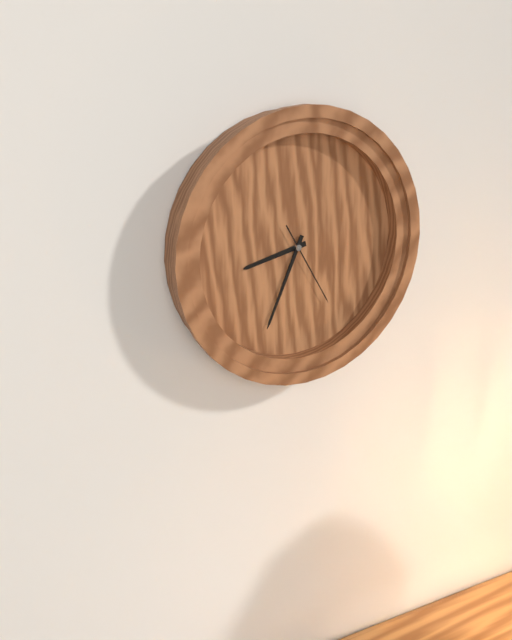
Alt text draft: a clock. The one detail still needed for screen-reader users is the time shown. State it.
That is 8:34:25
